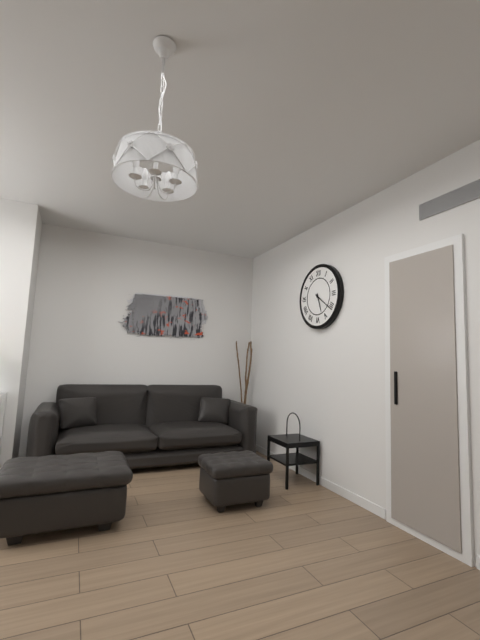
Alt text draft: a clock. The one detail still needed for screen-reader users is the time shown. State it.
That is 5:21
